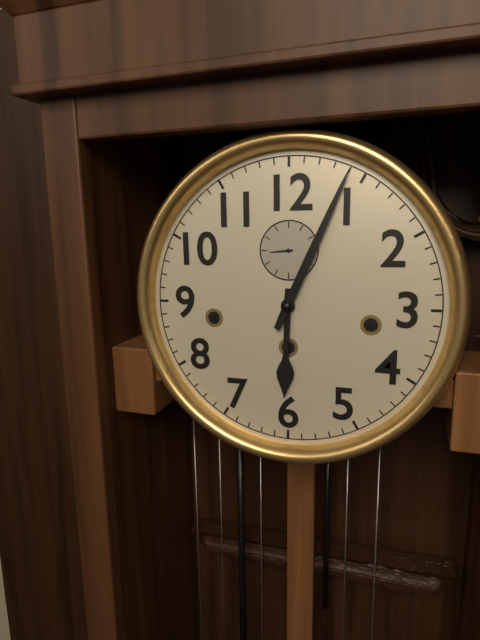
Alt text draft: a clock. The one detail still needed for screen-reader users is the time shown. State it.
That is 6:04
